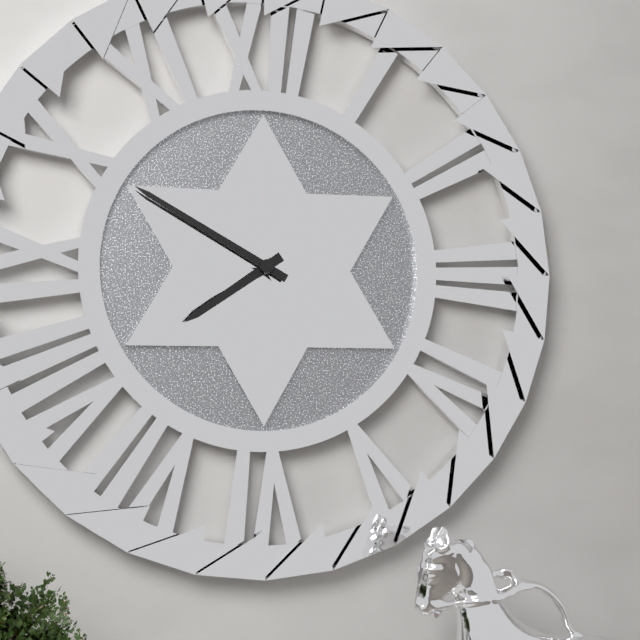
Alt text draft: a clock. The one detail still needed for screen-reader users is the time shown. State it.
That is 7:50
